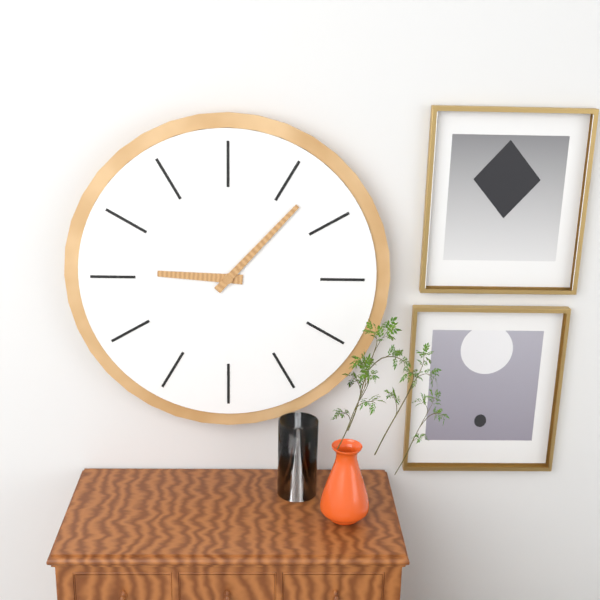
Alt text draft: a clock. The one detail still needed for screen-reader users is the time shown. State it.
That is 9:07
